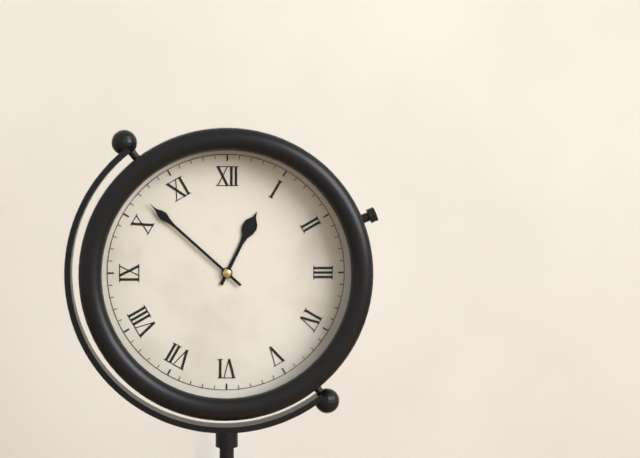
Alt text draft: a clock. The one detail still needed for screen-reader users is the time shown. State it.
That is 12:52
